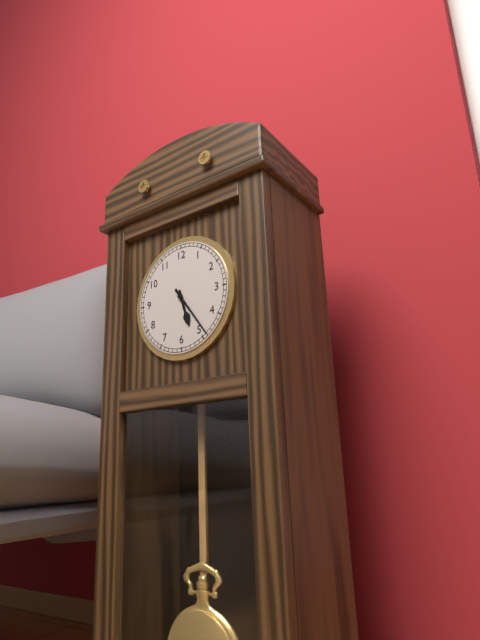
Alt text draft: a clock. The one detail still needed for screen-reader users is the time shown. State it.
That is 5:24
